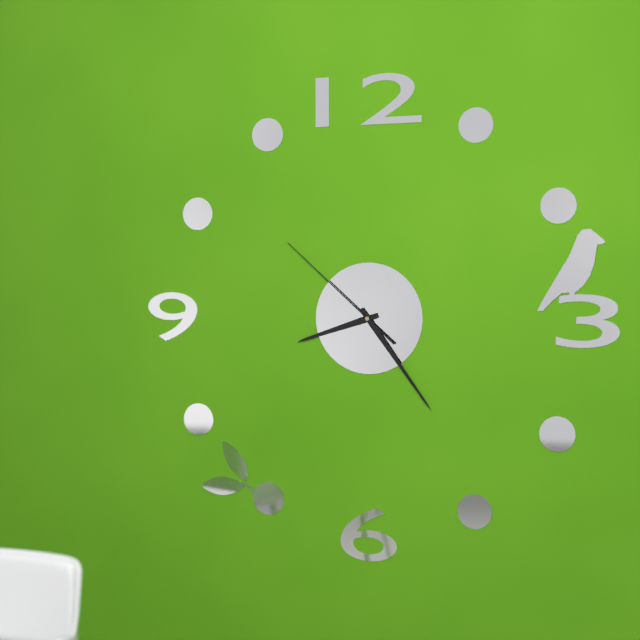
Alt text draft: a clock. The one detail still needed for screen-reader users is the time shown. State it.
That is 8:24:52
